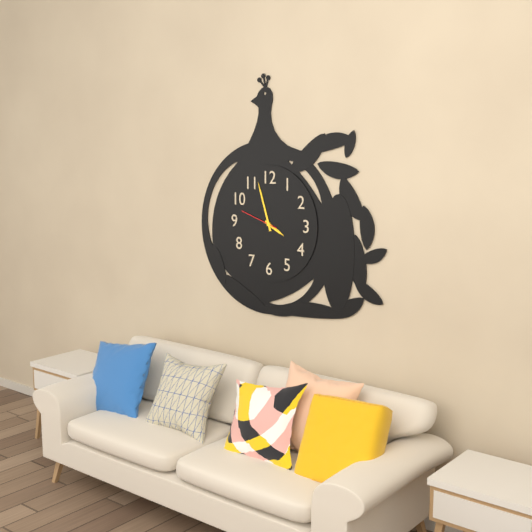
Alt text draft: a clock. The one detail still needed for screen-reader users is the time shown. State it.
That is 3:57
